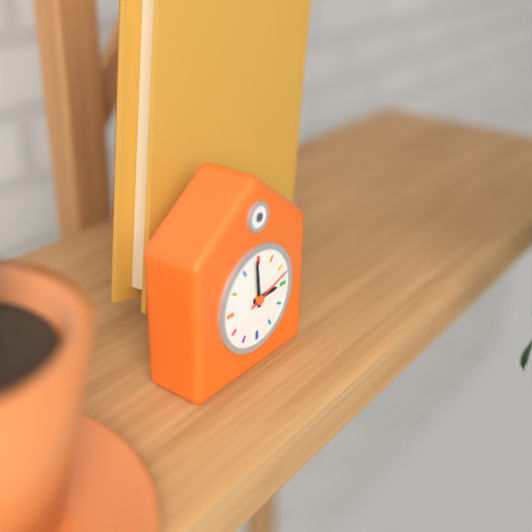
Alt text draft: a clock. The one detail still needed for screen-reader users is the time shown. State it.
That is 2:59:12
